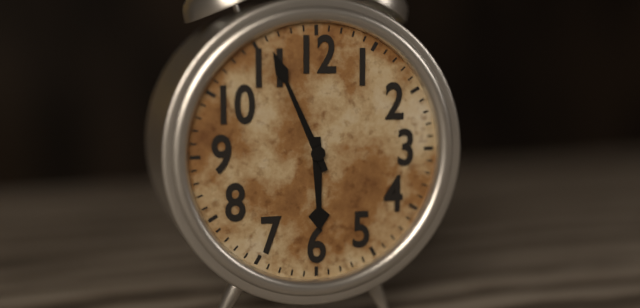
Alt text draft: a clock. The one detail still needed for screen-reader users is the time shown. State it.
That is 5:56
